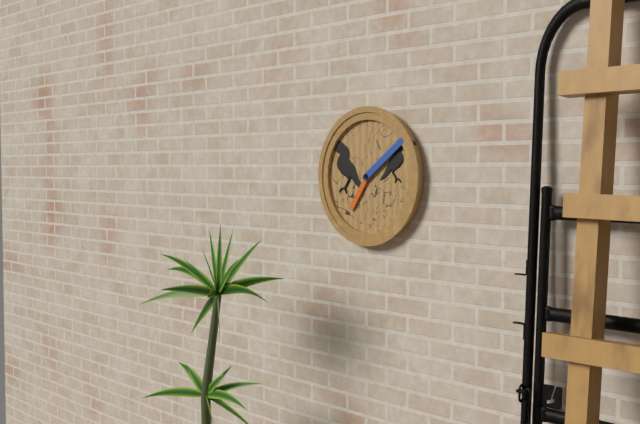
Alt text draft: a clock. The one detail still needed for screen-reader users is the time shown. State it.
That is 7:09
